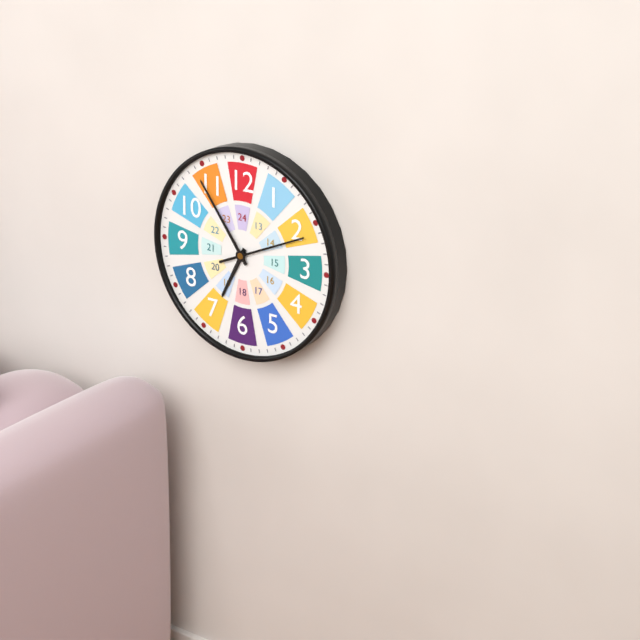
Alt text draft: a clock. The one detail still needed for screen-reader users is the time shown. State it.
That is 6:54:11
